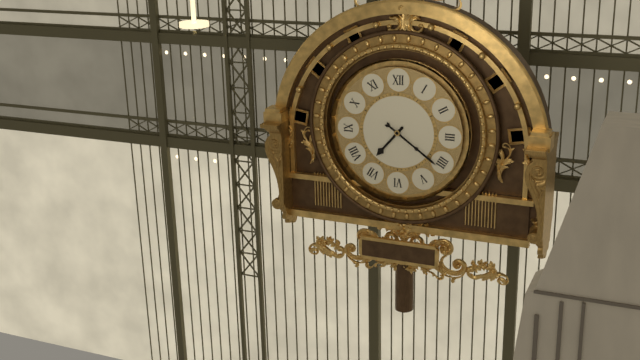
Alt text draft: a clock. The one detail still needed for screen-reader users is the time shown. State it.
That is 7:21
